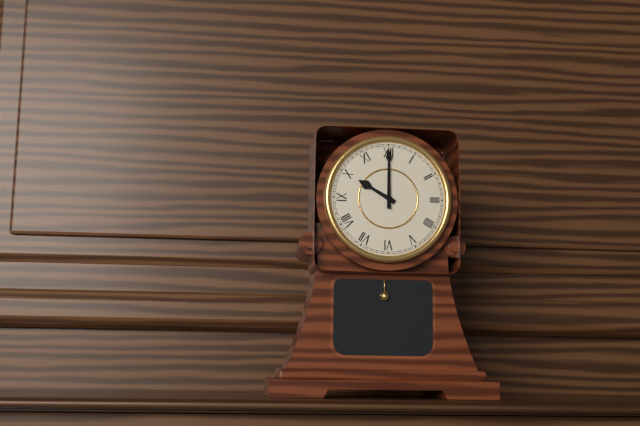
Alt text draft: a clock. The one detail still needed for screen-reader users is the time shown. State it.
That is 10:00
